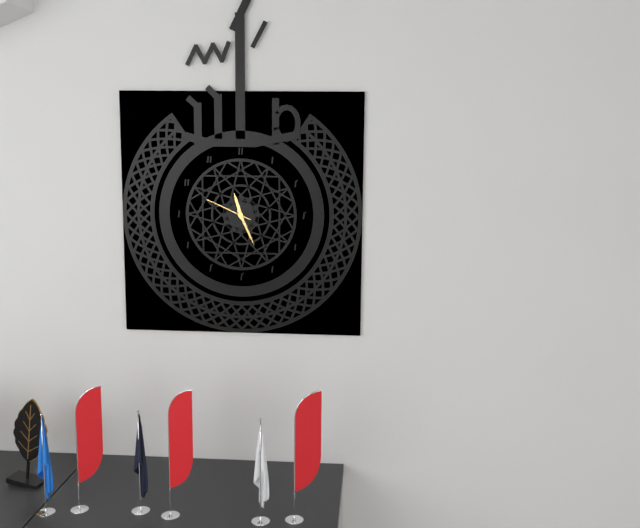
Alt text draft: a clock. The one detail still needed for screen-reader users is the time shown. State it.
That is 11:26
